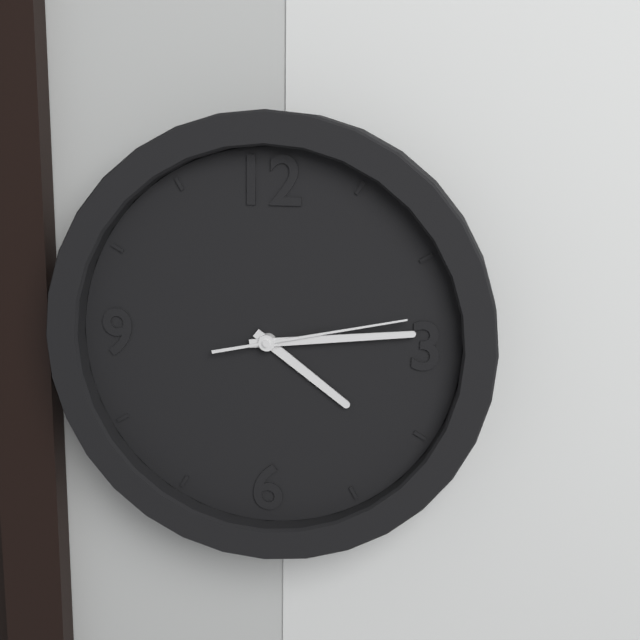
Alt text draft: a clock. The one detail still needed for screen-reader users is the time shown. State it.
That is 4:14:13
